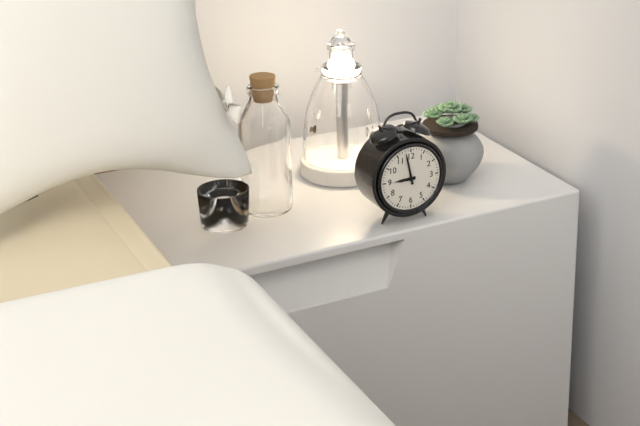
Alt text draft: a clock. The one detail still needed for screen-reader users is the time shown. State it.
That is 8:58
